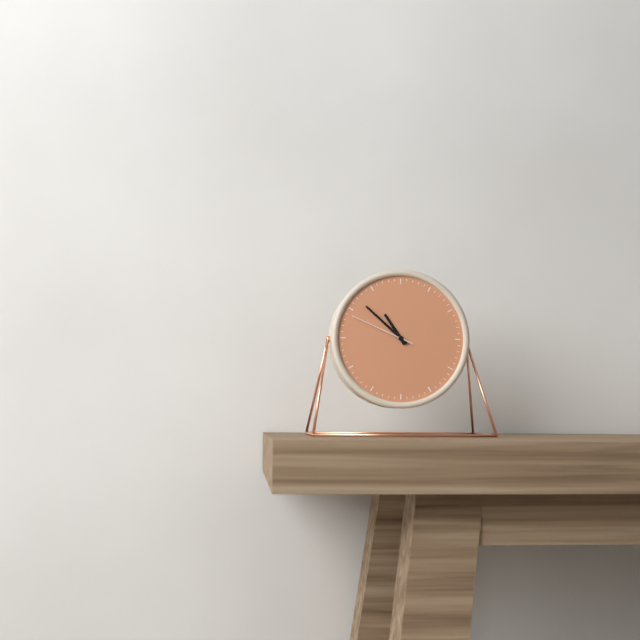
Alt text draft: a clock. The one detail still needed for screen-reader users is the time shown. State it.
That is 10:52:49
